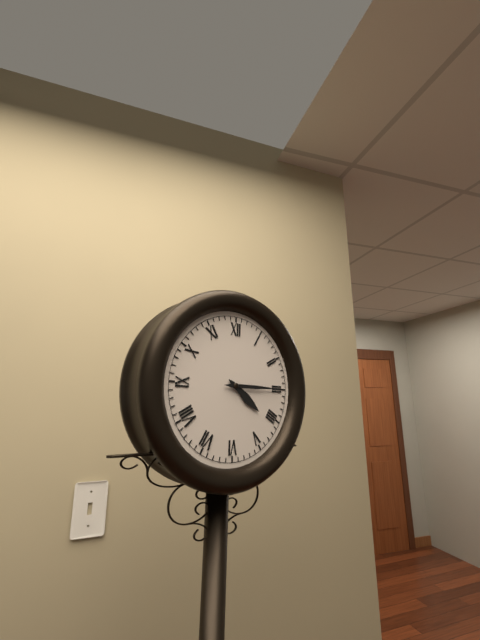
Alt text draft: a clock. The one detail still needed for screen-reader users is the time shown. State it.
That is 4:15
